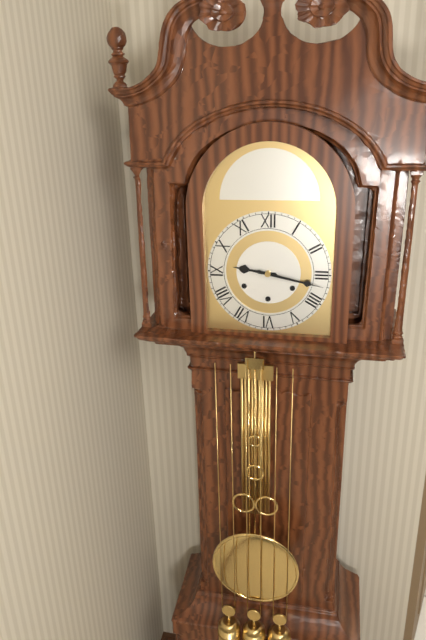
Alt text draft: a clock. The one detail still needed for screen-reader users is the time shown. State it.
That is 9:17
